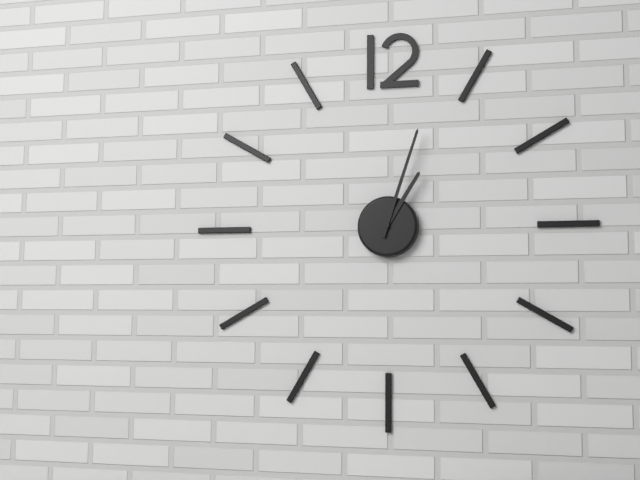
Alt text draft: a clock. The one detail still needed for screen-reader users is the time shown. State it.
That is 1:03
